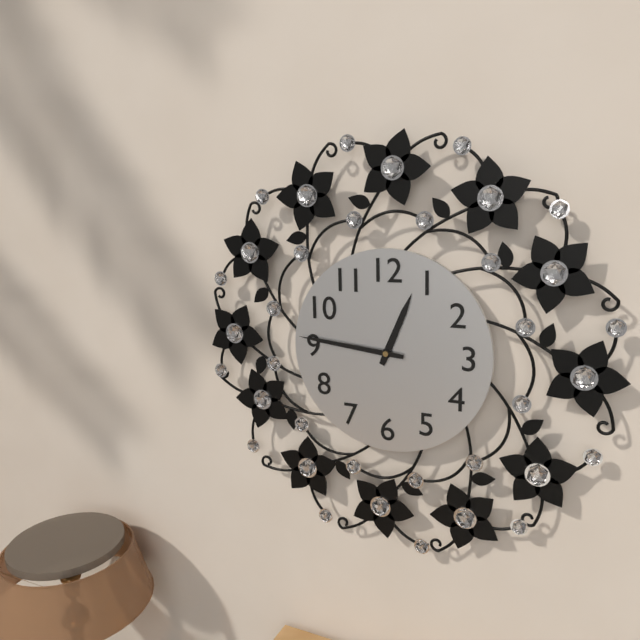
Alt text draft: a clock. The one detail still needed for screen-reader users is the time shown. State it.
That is 12:46
